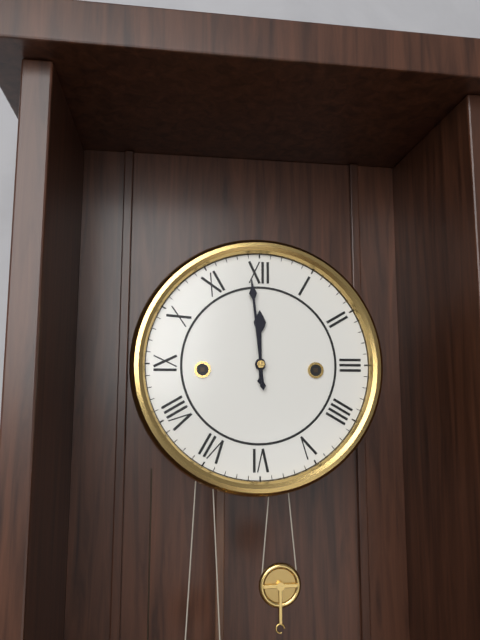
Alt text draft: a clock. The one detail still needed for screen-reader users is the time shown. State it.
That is 11:59
